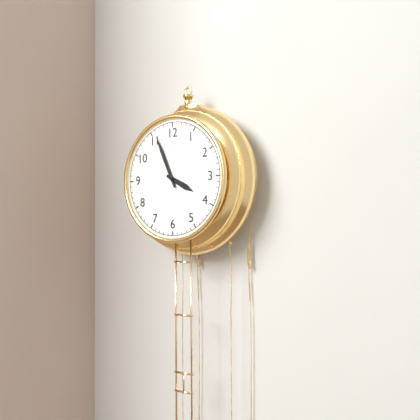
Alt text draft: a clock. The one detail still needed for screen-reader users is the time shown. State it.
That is 3:56
